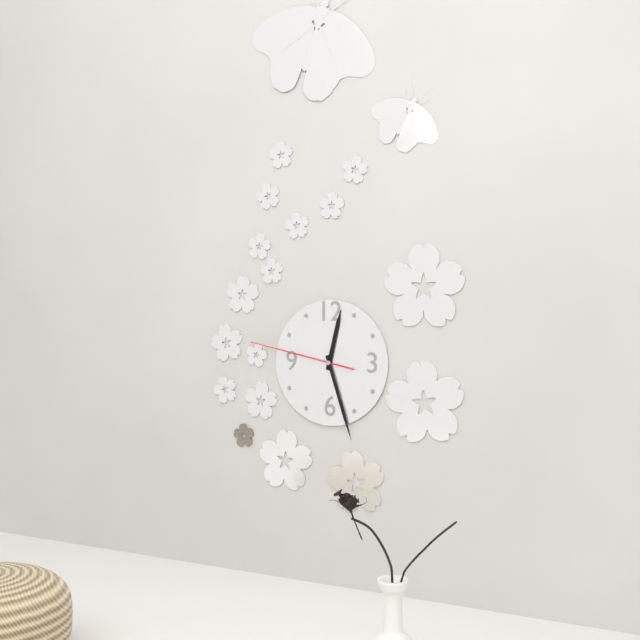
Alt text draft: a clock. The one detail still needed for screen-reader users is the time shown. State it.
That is 12:27:47
